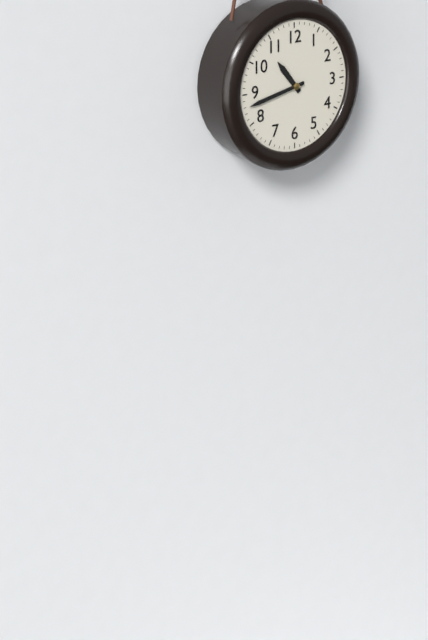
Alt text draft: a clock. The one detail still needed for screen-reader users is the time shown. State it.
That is 10:43
